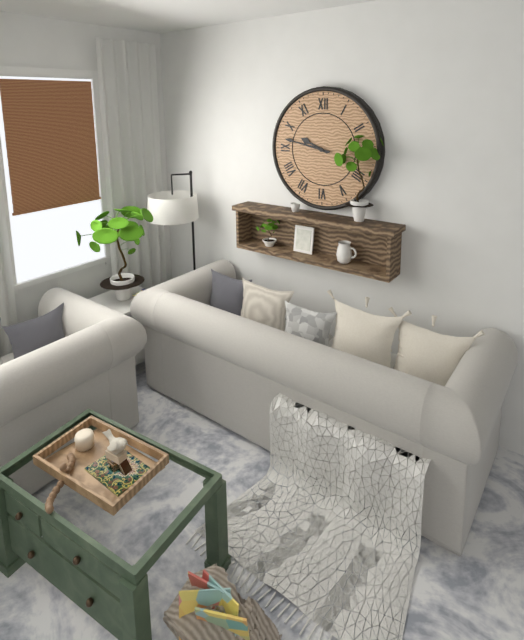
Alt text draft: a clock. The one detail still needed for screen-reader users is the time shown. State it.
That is 9:47
